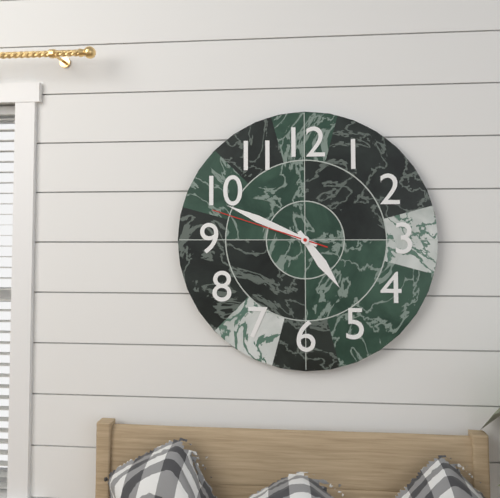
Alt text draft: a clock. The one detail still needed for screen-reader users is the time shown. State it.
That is 4:49:48
